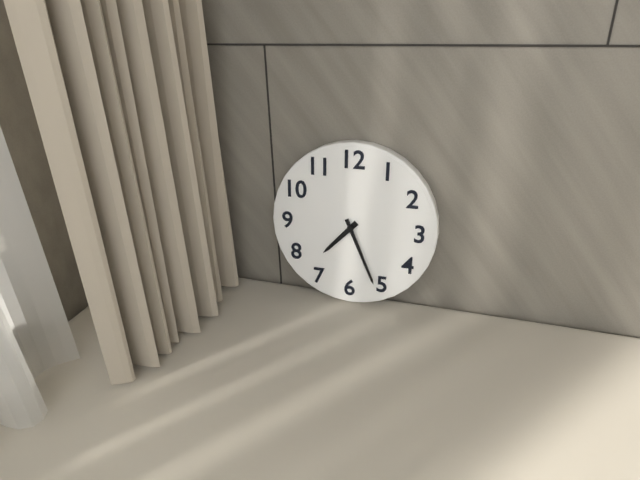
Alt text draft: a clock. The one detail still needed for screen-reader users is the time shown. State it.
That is 7:26
